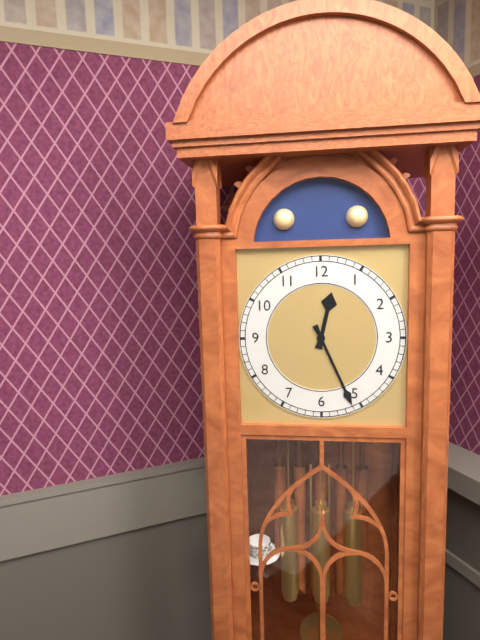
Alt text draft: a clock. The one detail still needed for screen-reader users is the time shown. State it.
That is 12:26
